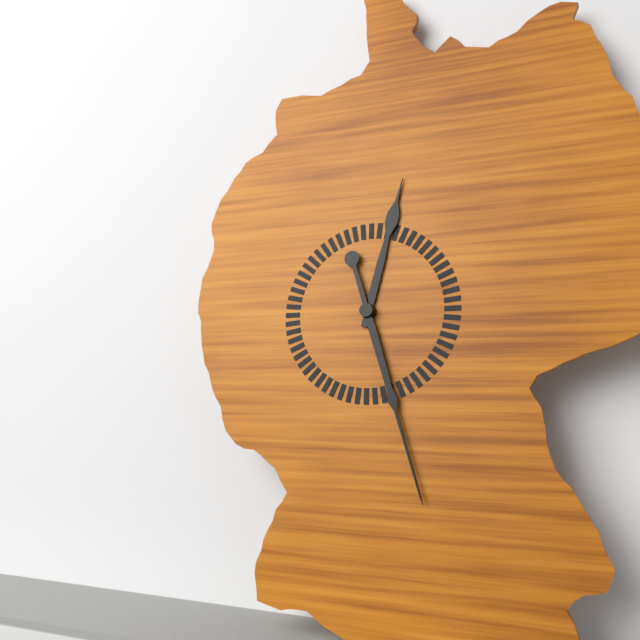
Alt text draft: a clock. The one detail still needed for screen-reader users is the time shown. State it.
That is 12:27
